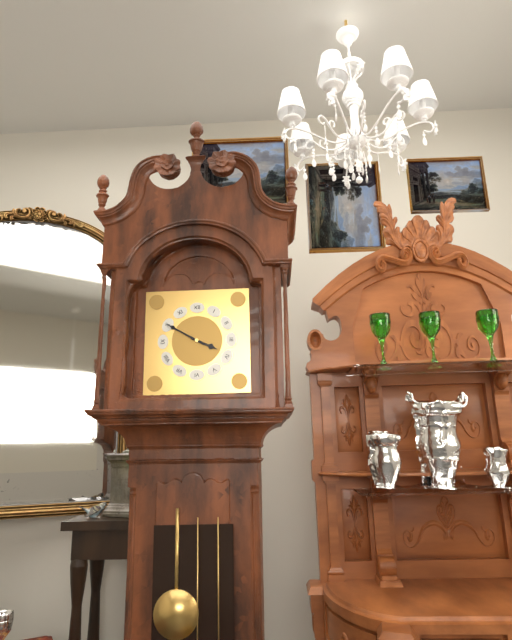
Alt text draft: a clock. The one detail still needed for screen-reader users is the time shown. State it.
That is 3:50
